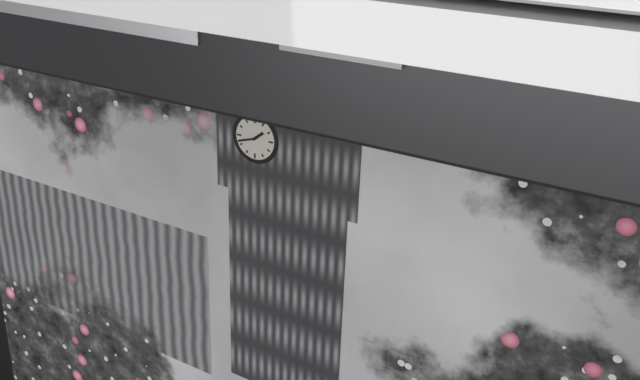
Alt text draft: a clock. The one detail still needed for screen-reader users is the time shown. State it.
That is 1:42
